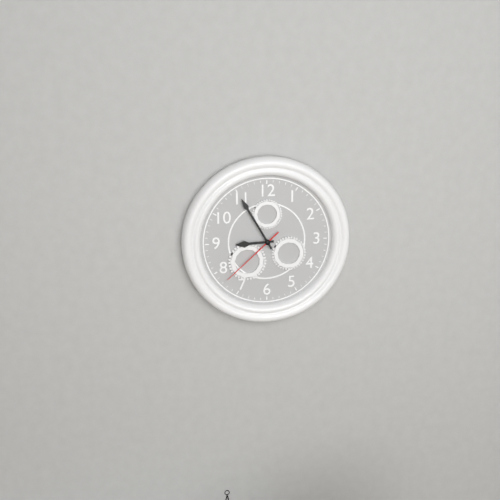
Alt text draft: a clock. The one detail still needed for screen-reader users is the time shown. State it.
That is 8:55:38
